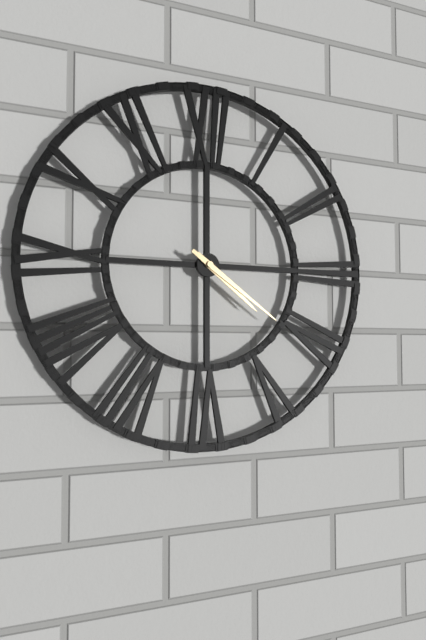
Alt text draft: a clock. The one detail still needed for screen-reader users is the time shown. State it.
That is 4:21
